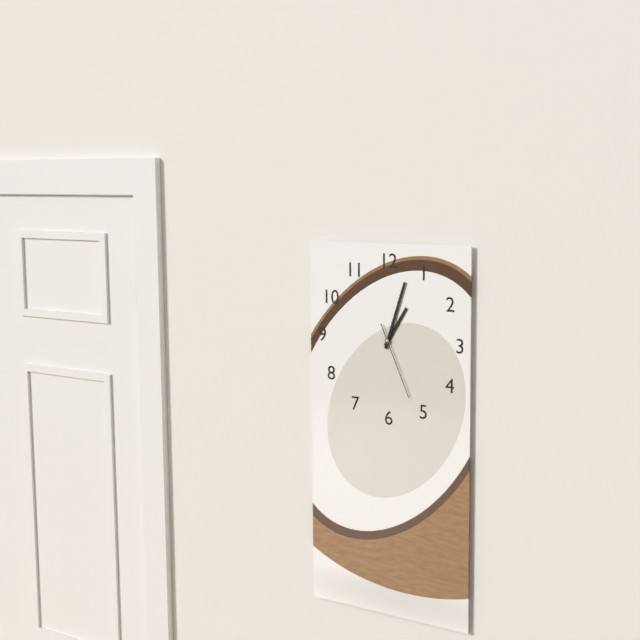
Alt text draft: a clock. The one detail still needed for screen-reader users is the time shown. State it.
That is 1:03:26
